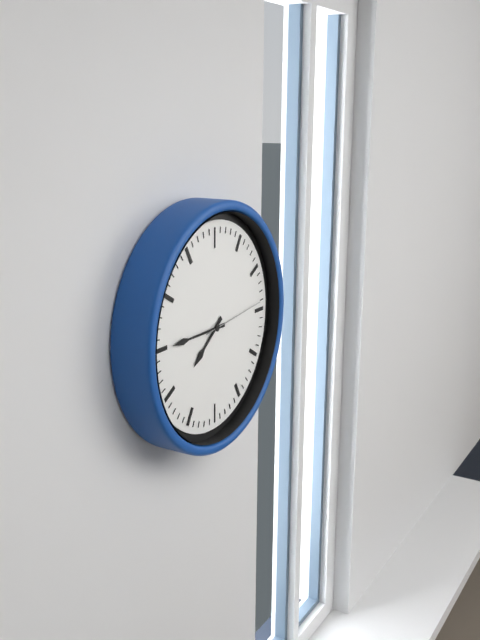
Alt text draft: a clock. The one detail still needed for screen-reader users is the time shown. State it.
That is 7:45:14
